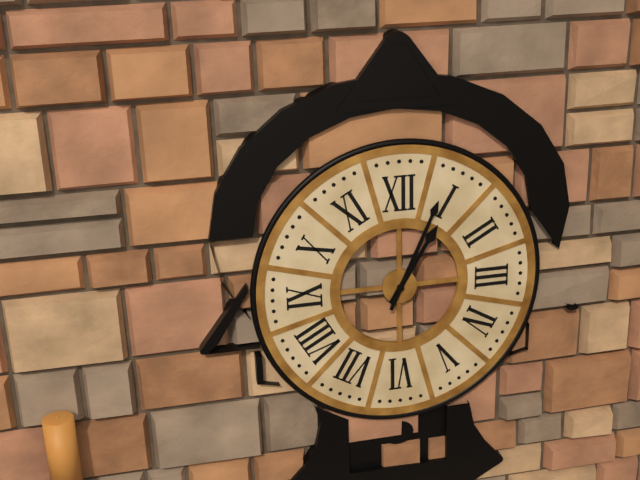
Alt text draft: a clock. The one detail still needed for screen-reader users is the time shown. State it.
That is 1:04
